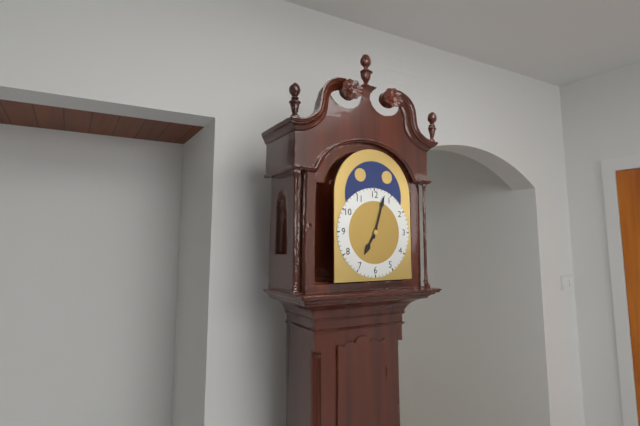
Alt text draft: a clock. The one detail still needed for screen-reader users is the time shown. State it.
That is 7:03
